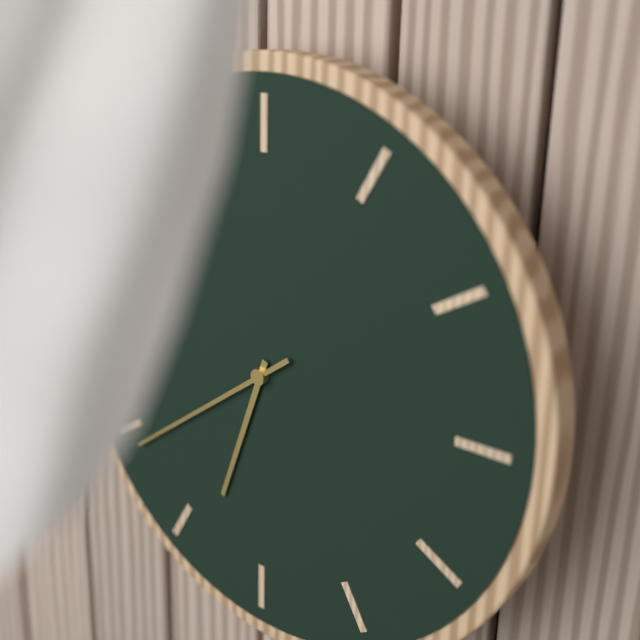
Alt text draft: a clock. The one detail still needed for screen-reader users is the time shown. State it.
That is 6:39
